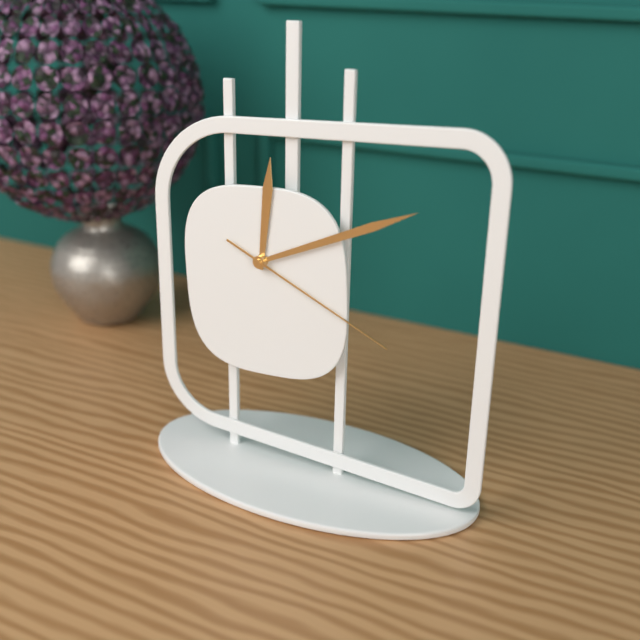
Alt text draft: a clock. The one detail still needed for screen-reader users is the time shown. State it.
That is 12:11:19
